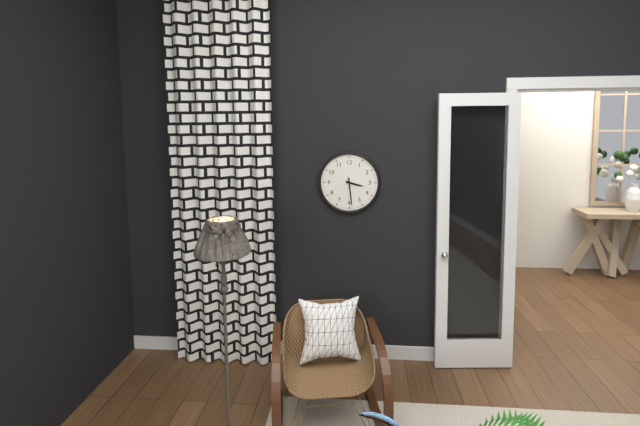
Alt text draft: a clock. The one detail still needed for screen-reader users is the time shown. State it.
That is 3:29
